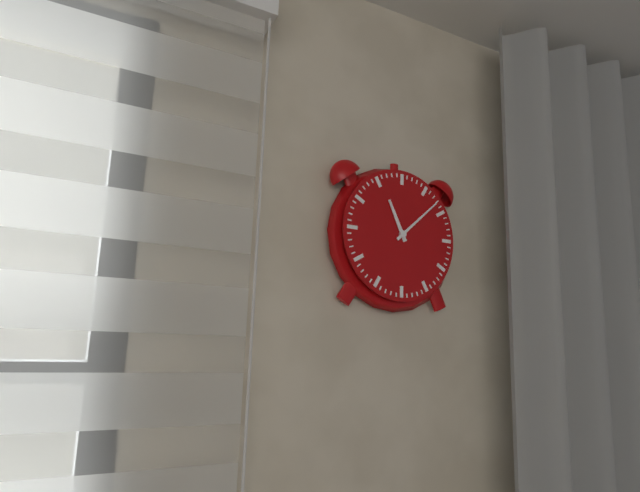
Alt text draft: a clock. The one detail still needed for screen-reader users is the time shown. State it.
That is 11:08
